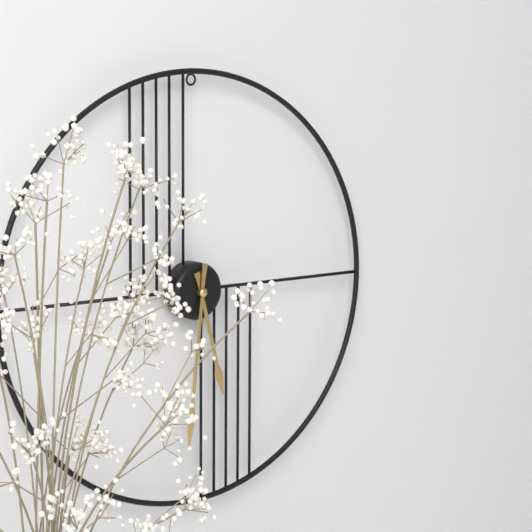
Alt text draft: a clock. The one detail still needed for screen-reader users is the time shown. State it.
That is 5:31
